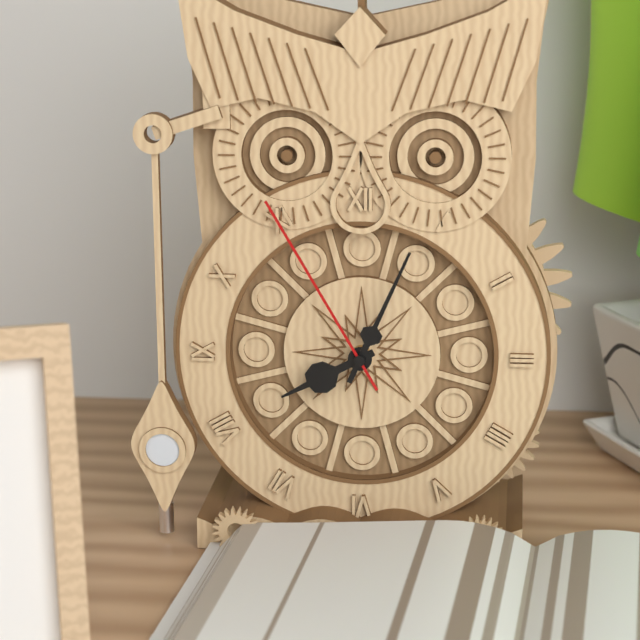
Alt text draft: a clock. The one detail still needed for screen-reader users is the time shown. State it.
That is 8:04:55
